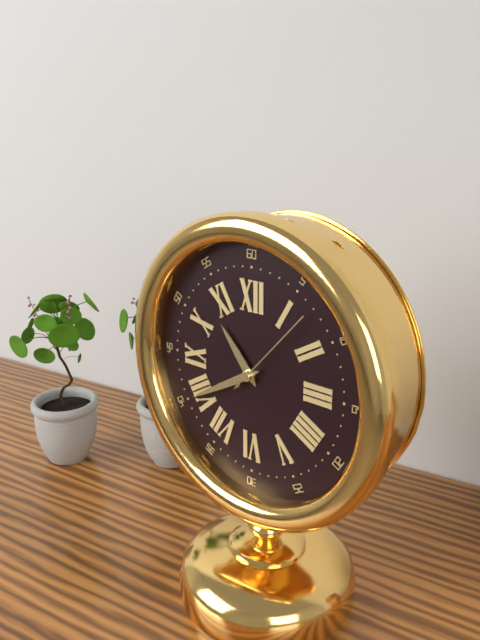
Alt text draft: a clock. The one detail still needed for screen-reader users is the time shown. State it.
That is 10:40:07
